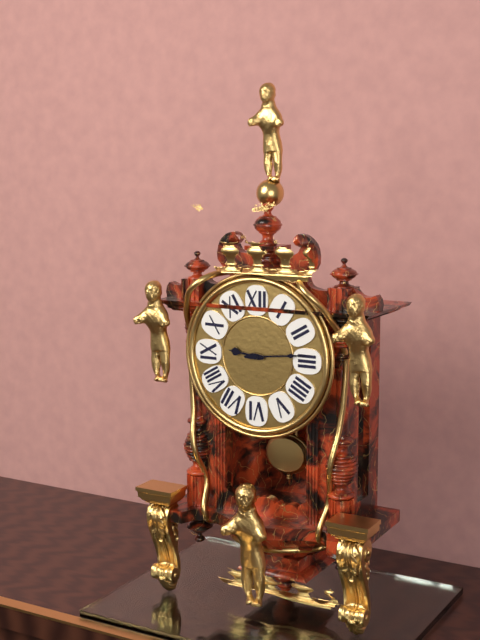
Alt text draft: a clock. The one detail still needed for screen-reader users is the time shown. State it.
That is 9:14
